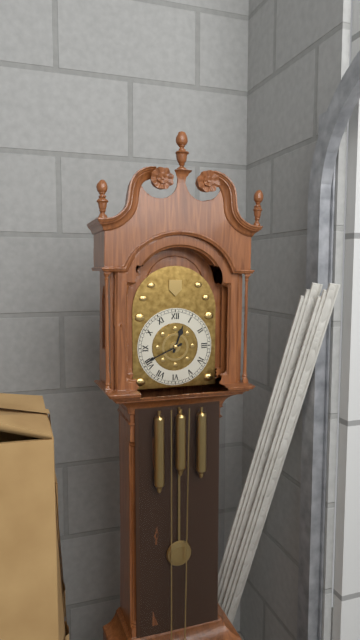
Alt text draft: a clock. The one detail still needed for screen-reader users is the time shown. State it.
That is 12:41
